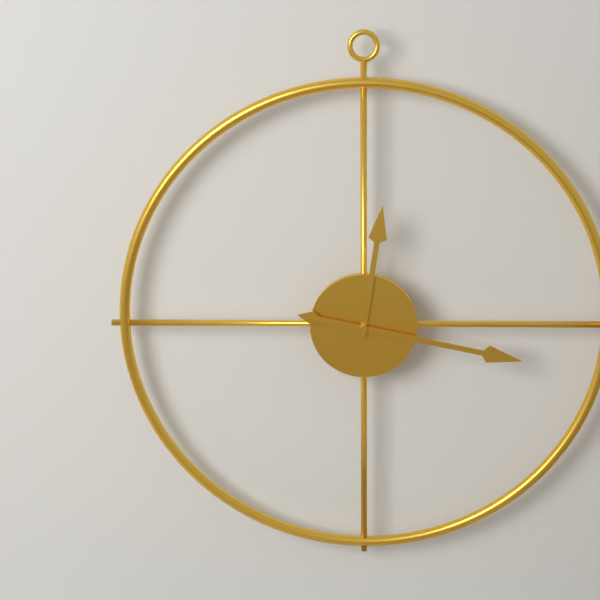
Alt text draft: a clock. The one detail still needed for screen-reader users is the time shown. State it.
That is 12:17
